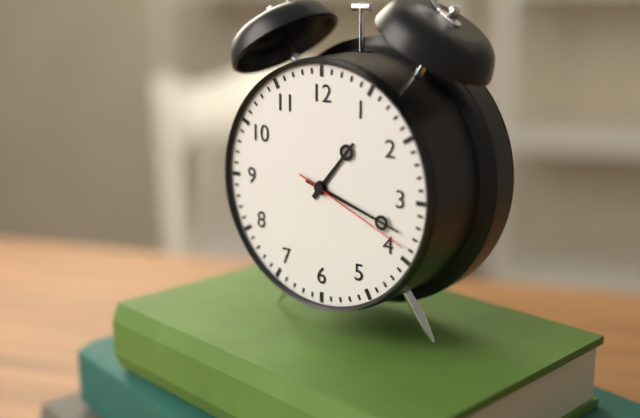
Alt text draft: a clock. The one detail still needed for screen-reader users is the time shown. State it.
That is 1:18:19
